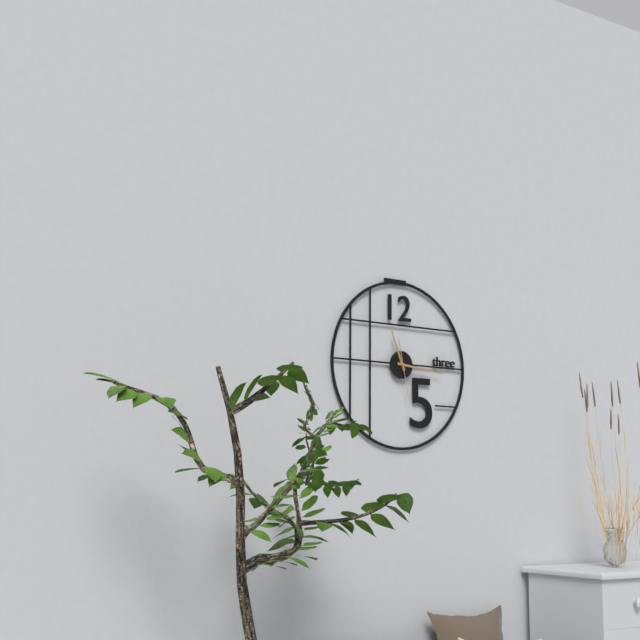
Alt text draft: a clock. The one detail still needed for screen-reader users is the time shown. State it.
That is 11:16
